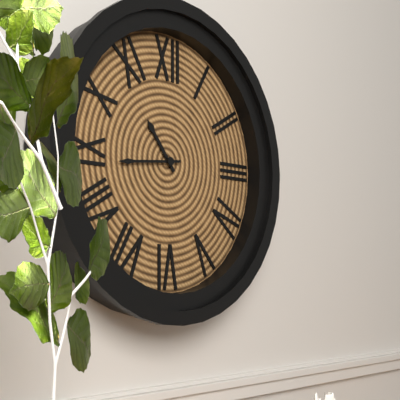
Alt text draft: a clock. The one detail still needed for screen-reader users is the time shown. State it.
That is 10:44
